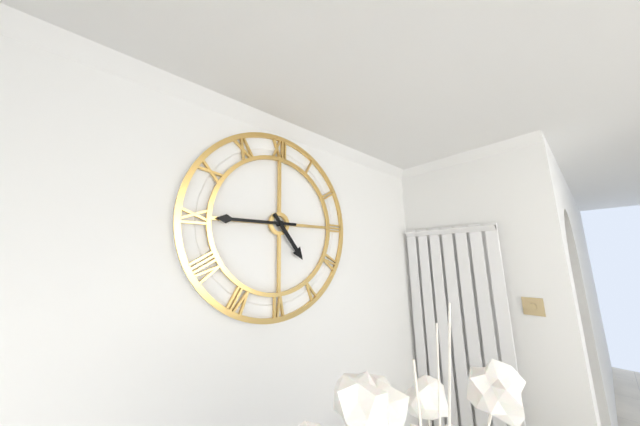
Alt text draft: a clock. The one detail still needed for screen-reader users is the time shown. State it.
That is 4:45
